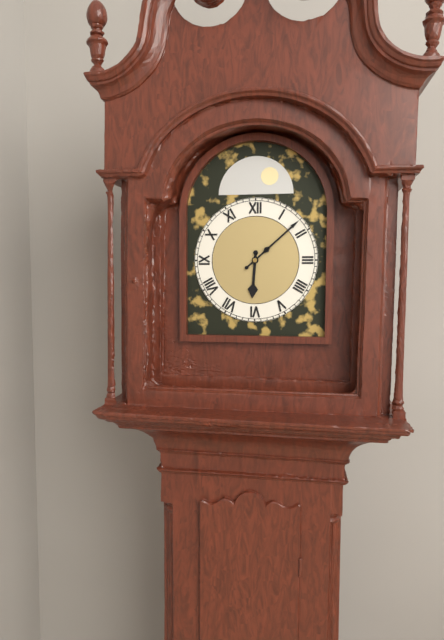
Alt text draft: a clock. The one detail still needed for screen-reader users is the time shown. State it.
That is 6:08
